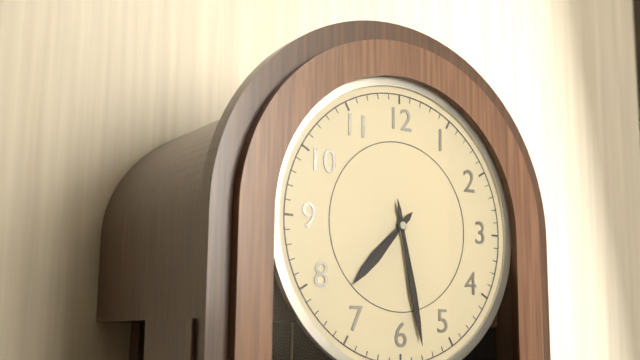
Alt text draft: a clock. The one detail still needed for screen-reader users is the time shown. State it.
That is 7:28
